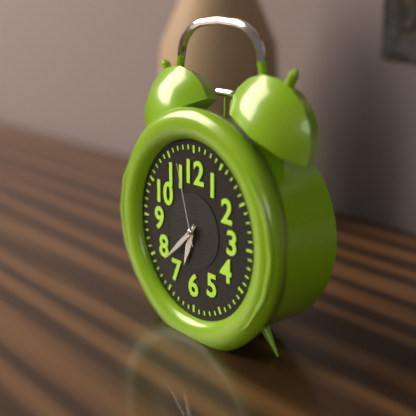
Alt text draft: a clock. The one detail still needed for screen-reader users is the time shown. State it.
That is 6:38:57
